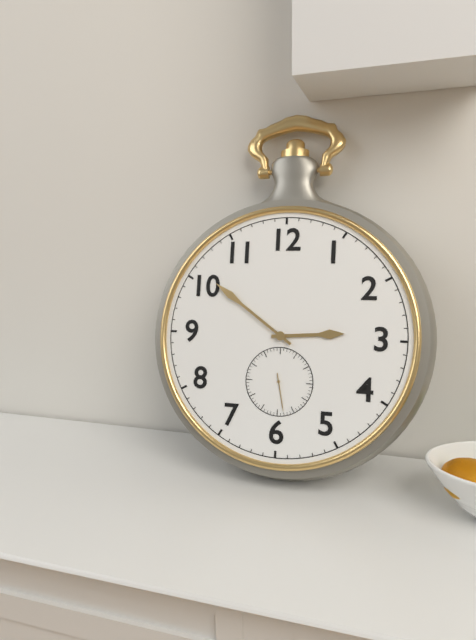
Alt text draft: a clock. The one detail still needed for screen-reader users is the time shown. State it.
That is 2:51
